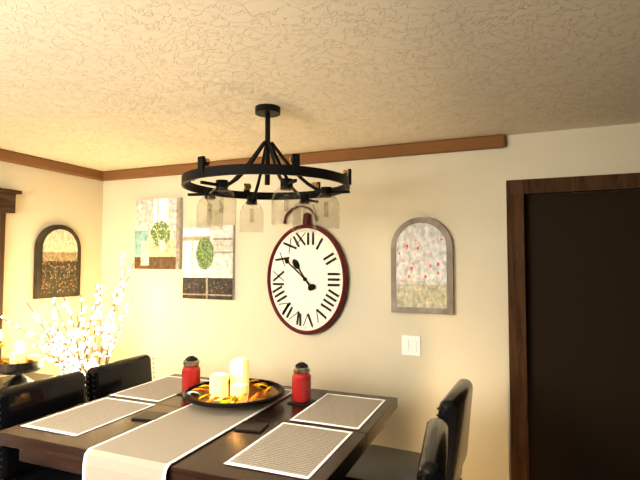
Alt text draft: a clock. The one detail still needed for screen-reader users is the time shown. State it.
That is 10:52
